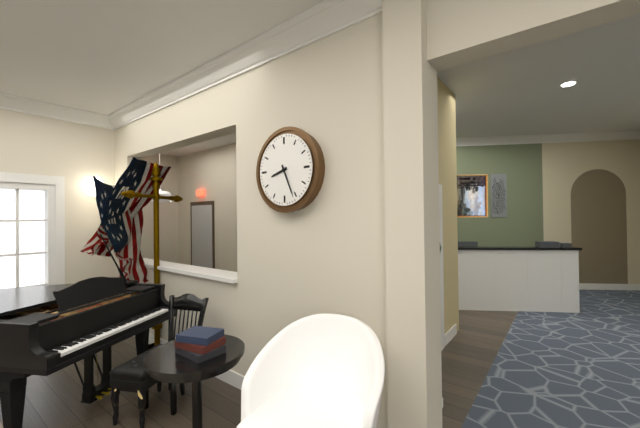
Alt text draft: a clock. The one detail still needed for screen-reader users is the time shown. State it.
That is 8:26
